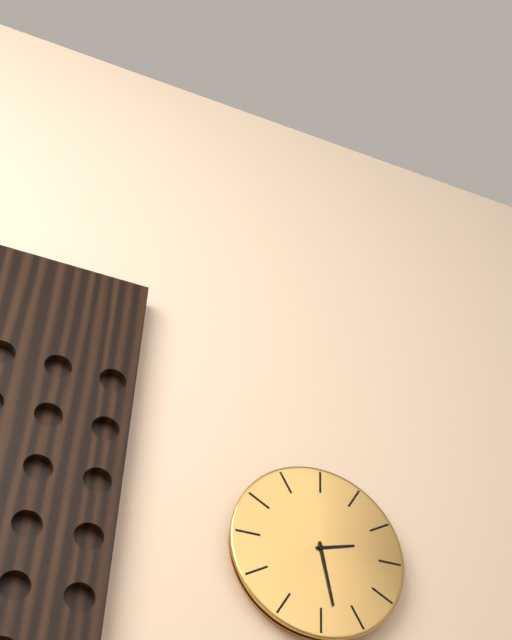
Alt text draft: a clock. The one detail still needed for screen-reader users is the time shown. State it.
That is 2:28
